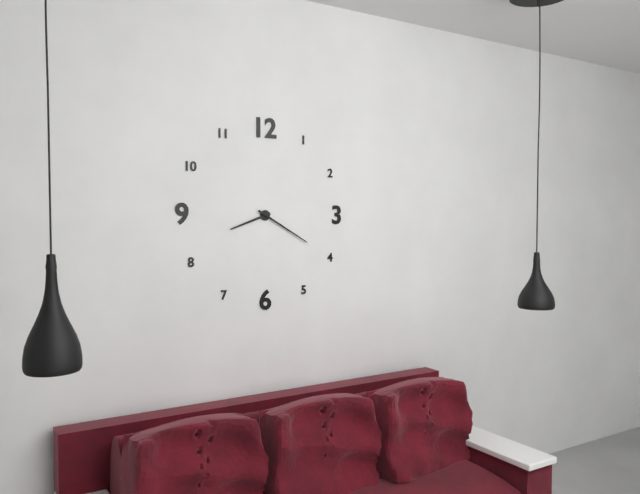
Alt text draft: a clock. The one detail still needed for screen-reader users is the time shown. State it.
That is 8:20
